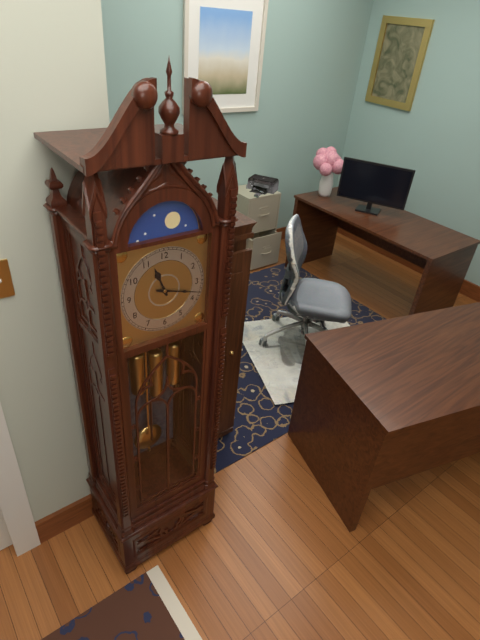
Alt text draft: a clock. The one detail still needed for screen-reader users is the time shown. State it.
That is 11:18
